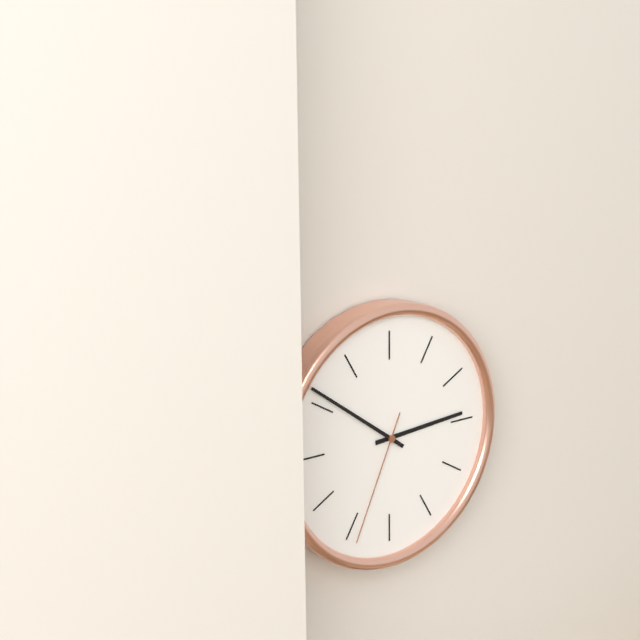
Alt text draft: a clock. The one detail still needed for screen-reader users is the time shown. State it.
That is 2:51:34
